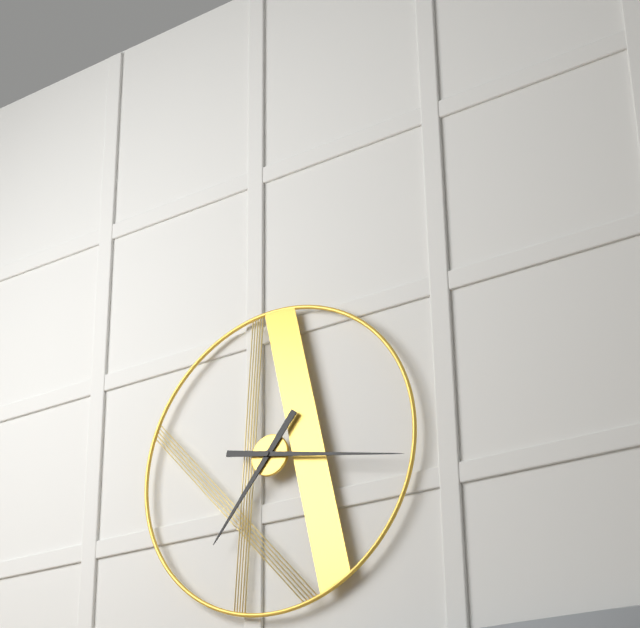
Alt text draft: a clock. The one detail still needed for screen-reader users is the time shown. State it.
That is 7:17
